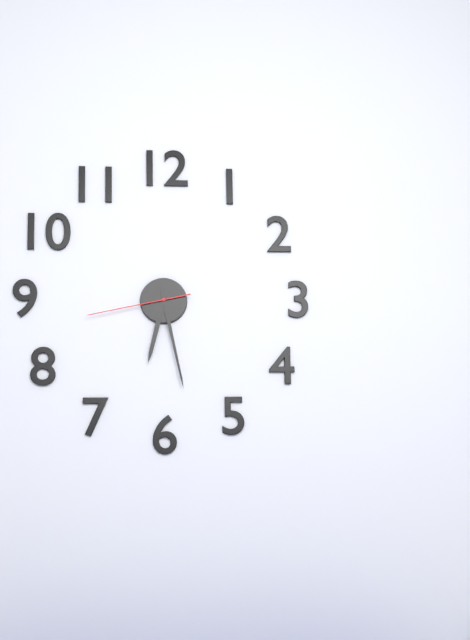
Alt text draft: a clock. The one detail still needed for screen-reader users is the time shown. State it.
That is 6:28:43
